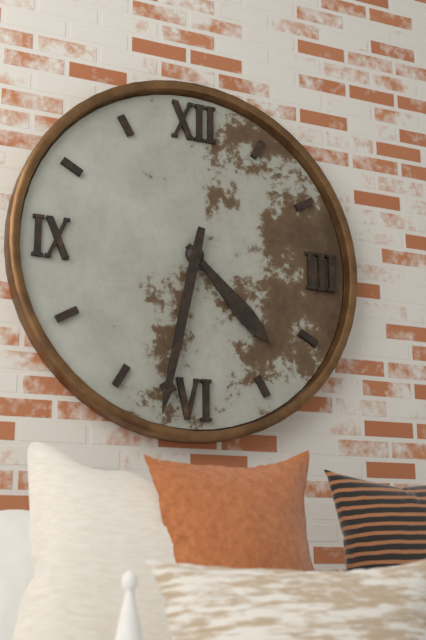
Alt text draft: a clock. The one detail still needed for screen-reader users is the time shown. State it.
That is 4:32
